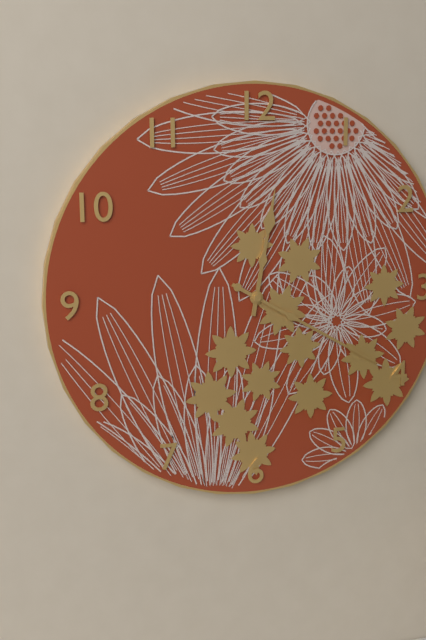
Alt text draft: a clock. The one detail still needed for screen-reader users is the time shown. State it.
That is 12:20
